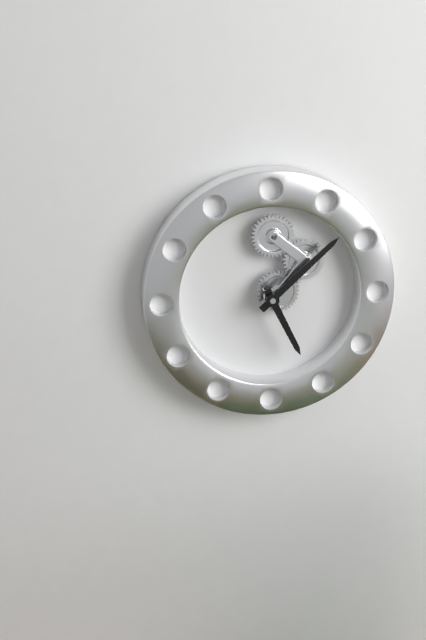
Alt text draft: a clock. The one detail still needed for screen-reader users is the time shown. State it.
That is 5:08
